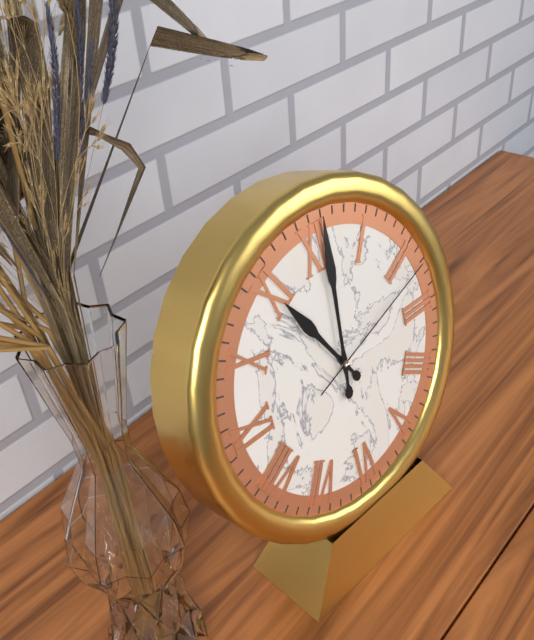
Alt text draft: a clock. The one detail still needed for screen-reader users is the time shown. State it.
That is 11:01:12
